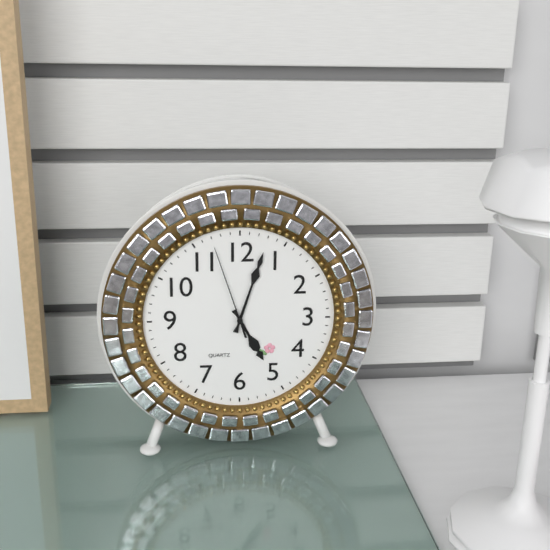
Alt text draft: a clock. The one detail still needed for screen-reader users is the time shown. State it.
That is 5:03:57
